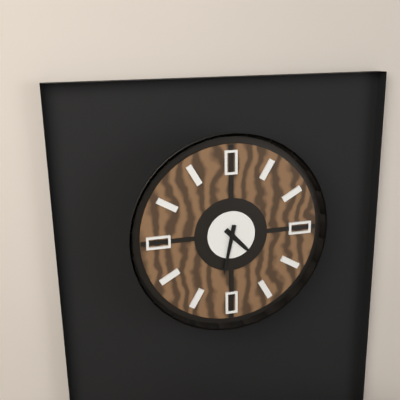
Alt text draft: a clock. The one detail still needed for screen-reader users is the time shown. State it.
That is 4:32
